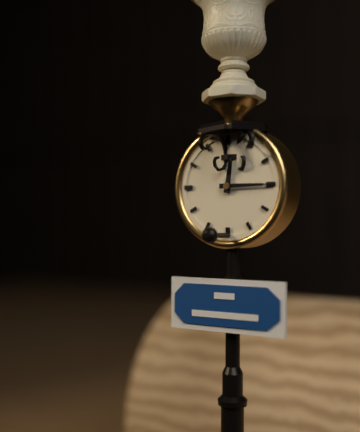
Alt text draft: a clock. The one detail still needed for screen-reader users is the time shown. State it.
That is 12:15
